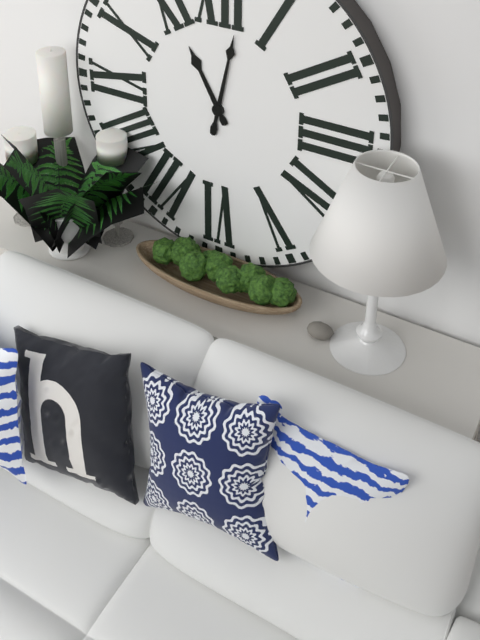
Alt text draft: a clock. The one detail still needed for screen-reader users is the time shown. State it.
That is 11:02
